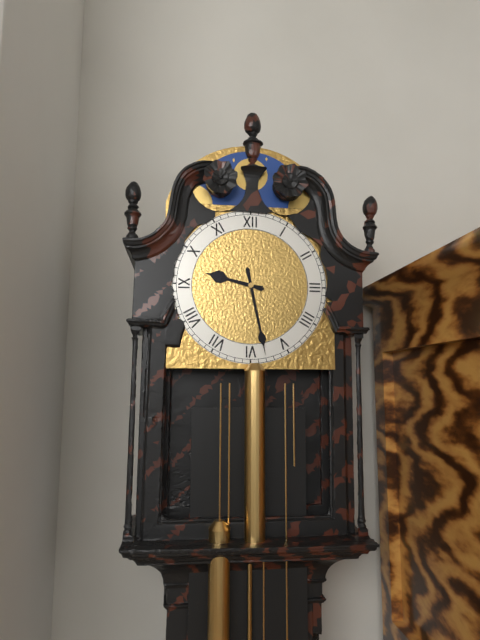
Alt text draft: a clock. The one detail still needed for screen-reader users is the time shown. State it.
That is 9:28
